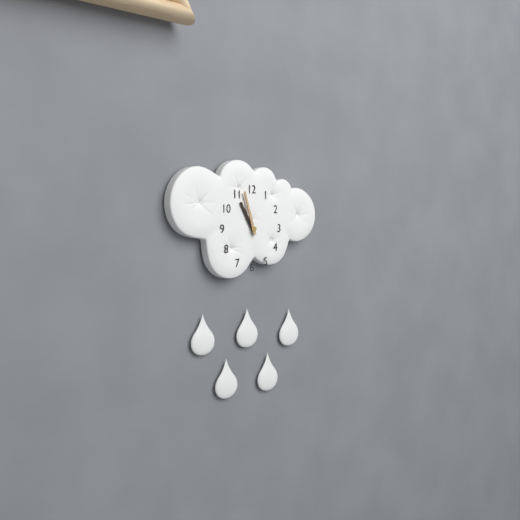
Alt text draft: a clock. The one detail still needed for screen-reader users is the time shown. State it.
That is 10:57
